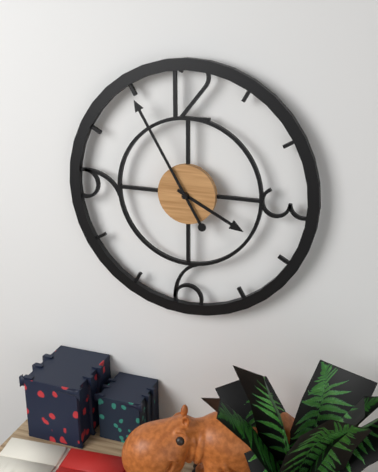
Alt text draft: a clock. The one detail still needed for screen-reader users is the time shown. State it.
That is 3:55
